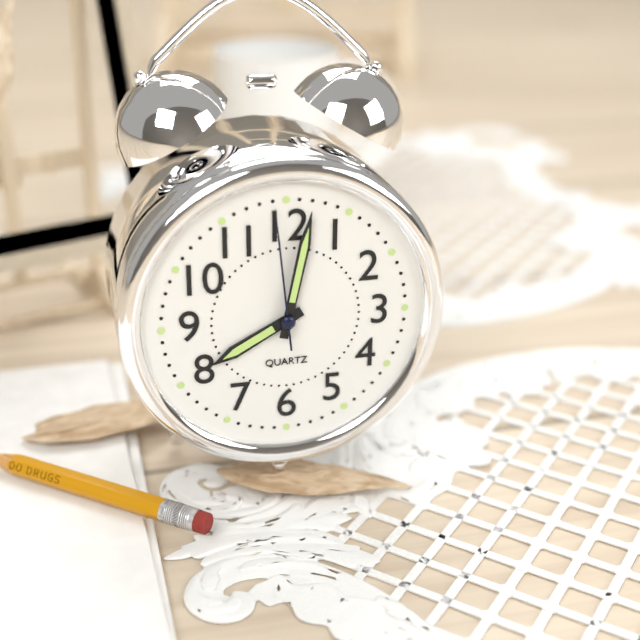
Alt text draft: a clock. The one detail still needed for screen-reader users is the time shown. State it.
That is 8:02:59
